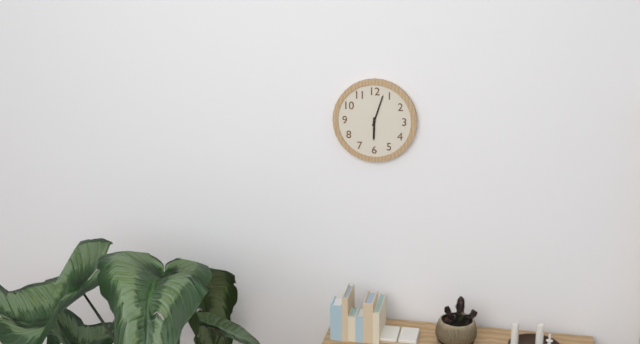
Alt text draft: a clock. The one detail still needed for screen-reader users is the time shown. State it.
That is 6:03
